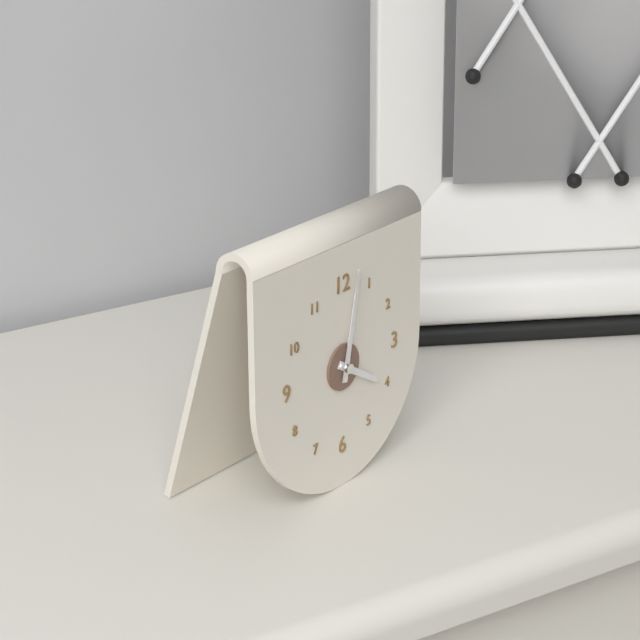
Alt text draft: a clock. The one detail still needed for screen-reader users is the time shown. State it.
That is 4:02
